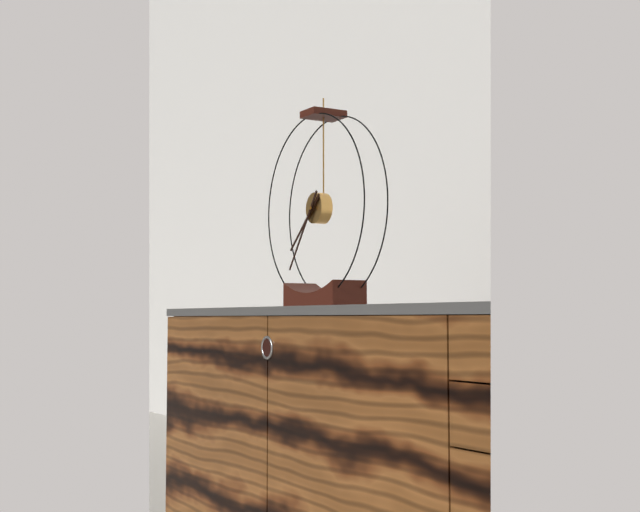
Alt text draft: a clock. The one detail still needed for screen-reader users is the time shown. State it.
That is 7:36
